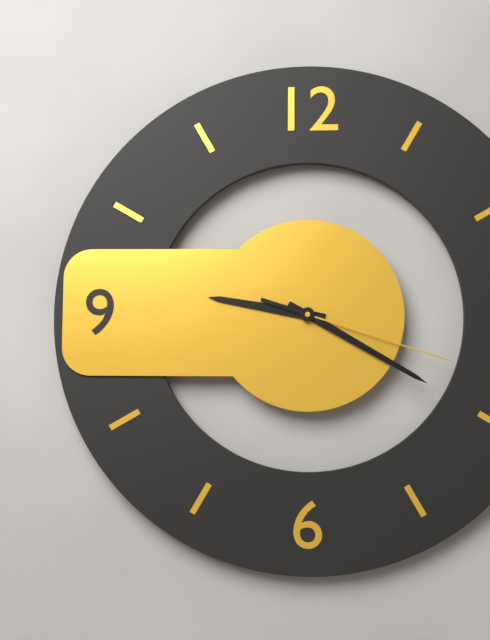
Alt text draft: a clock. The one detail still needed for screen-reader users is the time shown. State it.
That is 9:20:18
